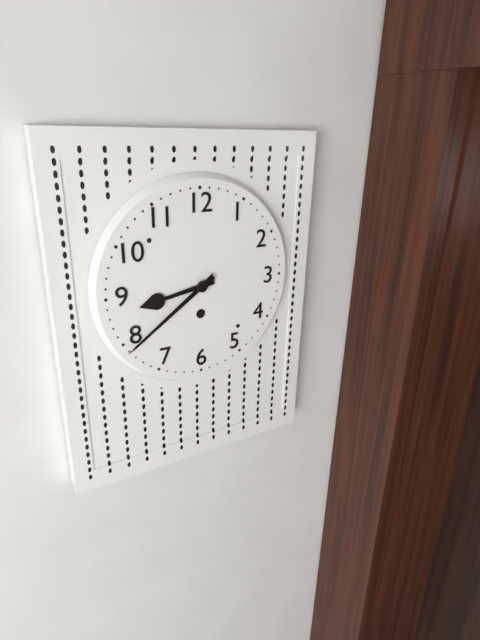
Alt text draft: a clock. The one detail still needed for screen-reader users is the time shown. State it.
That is 8:39
